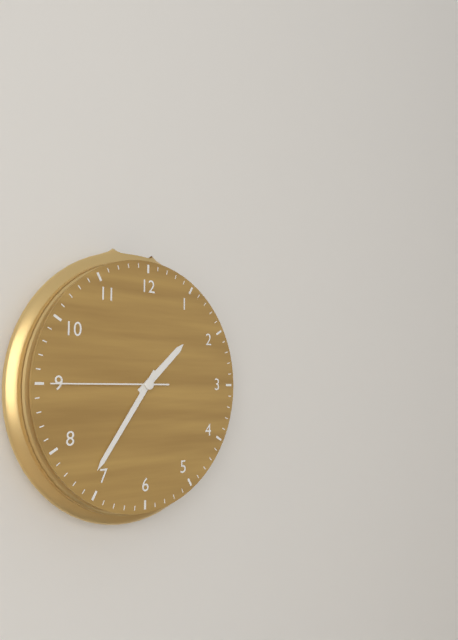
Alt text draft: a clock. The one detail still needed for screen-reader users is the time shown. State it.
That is 1:36:45
